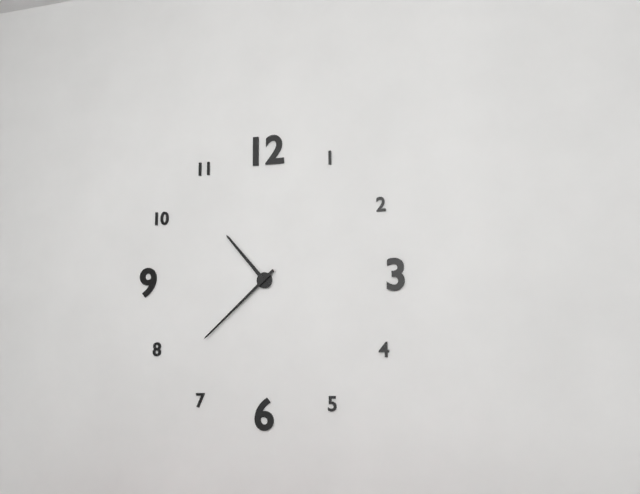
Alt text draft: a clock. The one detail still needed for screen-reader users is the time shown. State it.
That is 10:38
